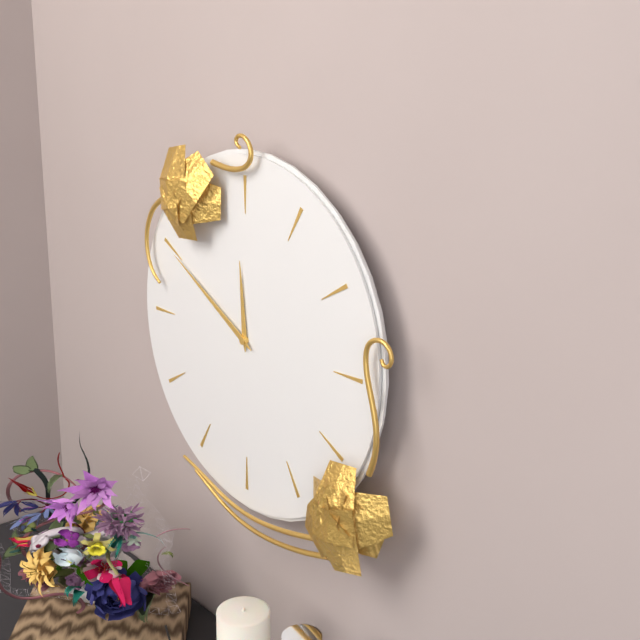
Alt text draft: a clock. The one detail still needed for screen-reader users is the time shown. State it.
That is 11:50
